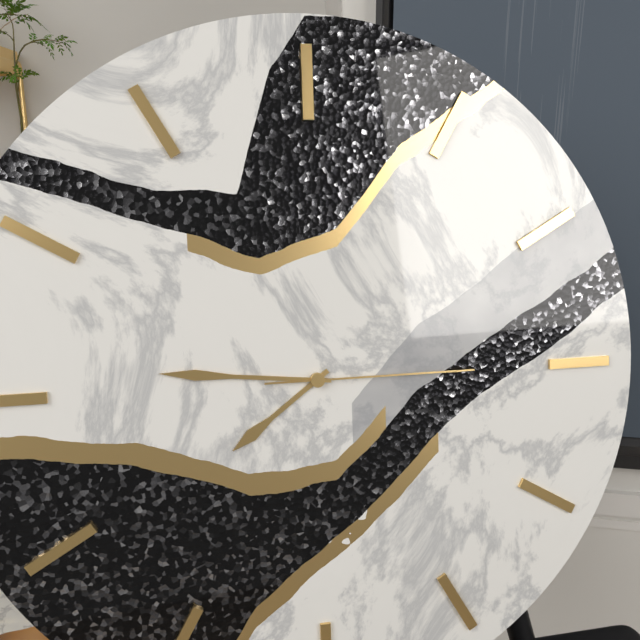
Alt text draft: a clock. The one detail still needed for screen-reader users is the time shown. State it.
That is 7:46:15
